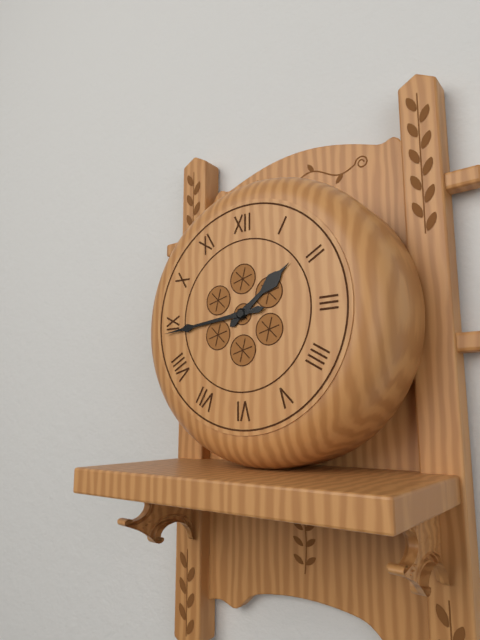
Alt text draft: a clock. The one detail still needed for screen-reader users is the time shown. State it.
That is 1:44
